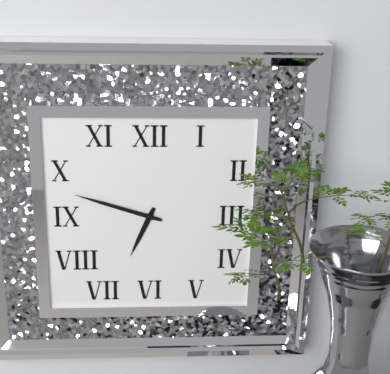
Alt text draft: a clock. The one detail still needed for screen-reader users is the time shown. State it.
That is 6:48
